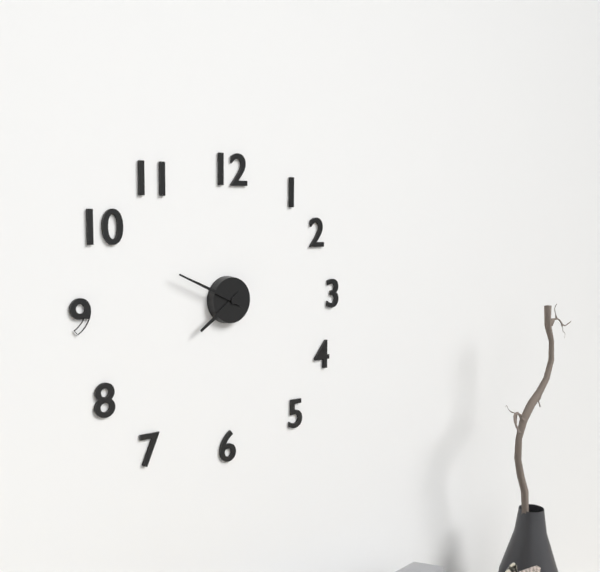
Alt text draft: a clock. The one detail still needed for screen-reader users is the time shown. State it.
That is 7:49
